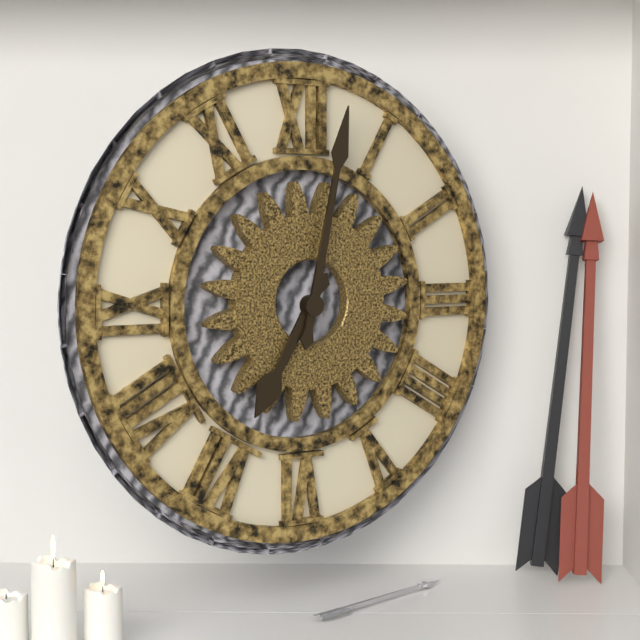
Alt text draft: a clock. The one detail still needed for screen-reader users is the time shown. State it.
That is 7:02
